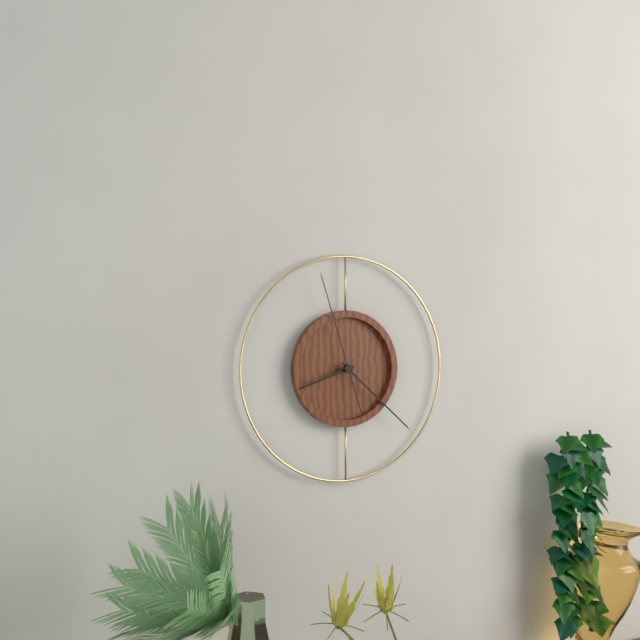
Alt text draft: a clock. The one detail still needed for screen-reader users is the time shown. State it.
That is 8:22:57
